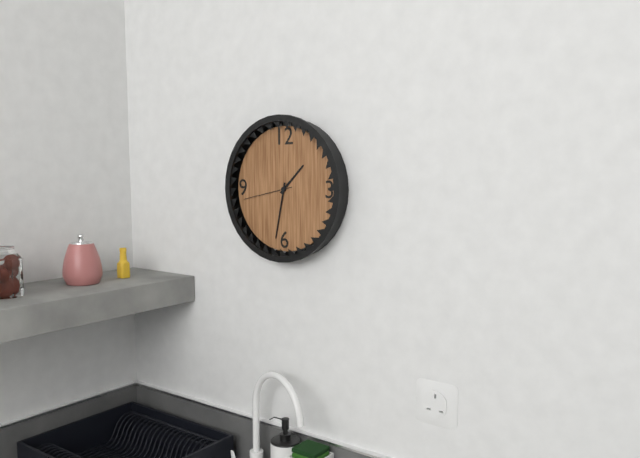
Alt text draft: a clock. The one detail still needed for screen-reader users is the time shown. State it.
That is 1:32:43
